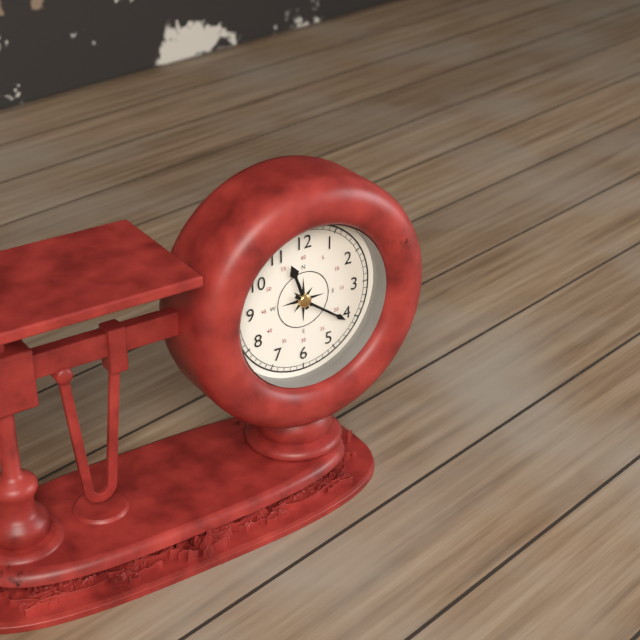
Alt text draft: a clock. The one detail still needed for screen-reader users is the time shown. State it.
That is 11:21
